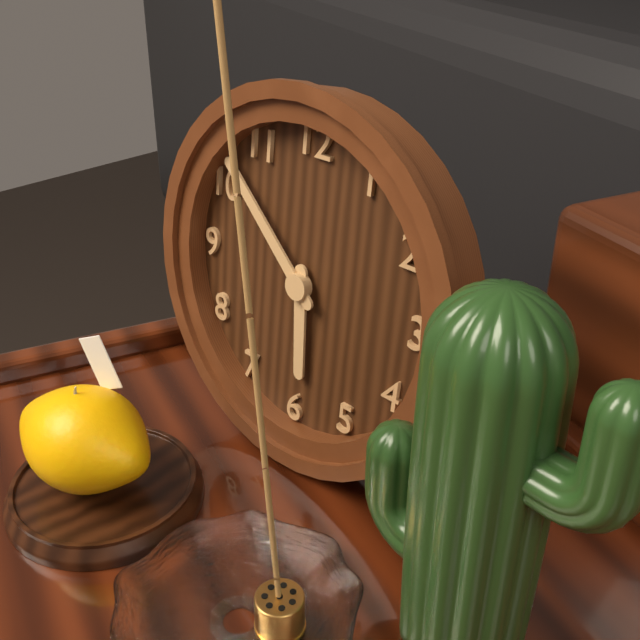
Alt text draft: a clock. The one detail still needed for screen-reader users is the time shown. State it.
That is 5:52
